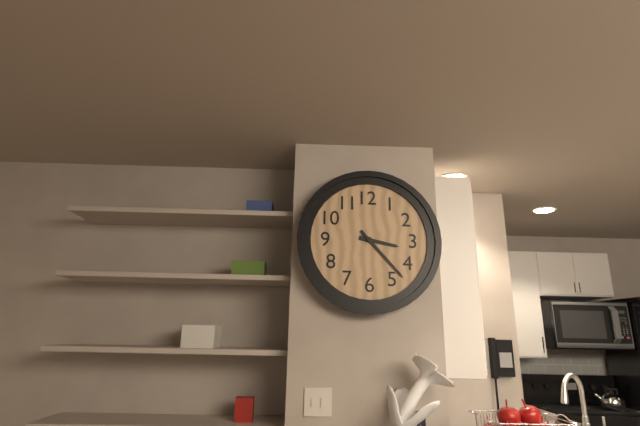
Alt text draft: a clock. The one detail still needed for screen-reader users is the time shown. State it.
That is 3:23
